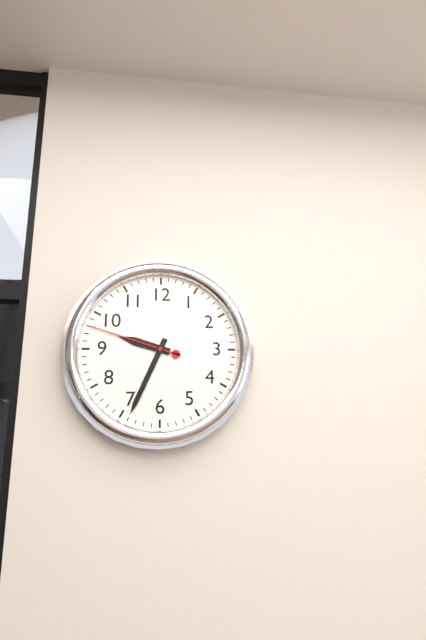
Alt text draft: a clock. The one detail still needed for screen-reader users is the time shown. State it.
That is 9:34:48
